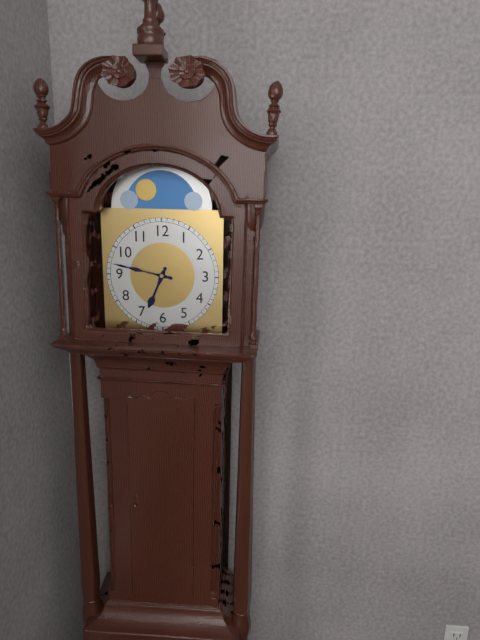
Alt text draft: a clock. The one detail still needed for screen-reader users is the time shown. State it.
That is 6:47
